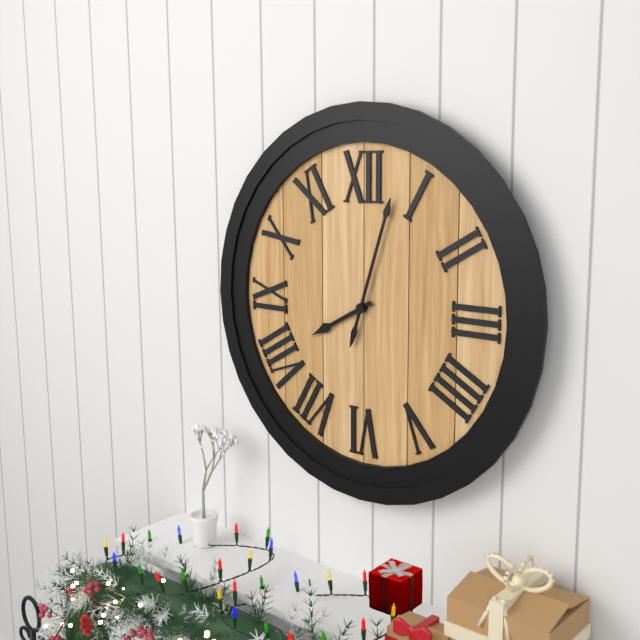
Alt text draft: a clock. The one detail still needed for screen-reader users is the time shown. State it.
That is 8:03
